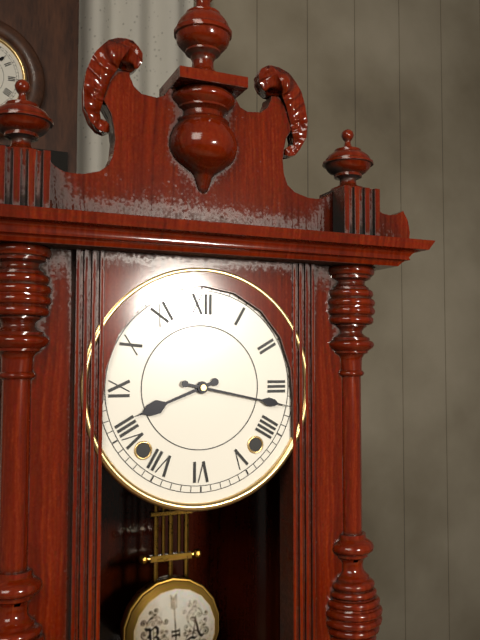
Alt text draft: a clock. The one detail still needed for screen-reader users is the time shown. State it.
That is 8:17
